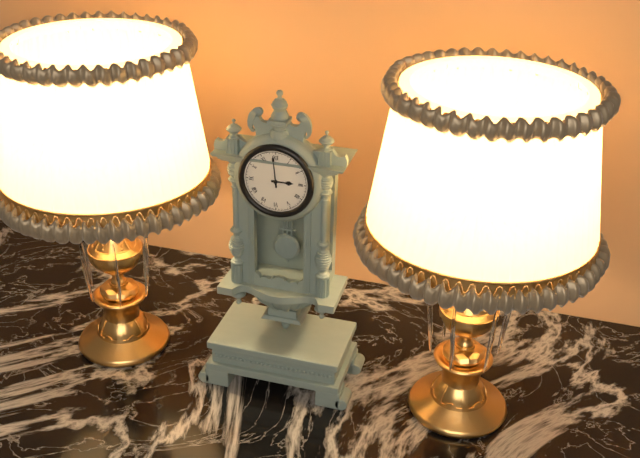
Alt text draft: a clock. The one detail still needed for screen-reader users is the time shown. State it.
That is 2:59
